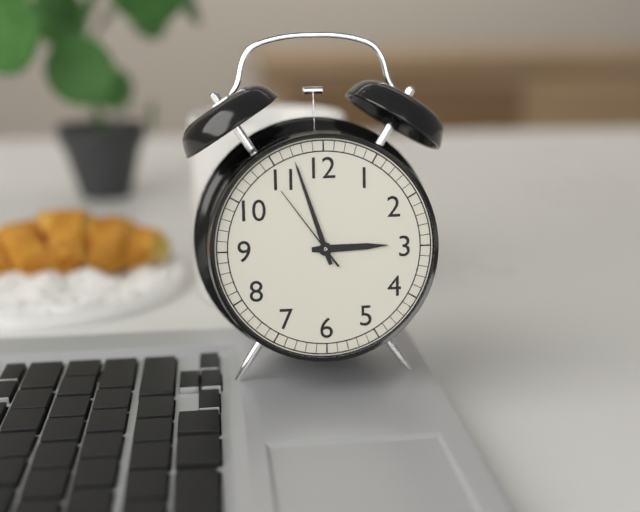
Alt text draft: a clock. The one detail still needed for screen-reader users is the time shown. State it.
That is 2:57:54
